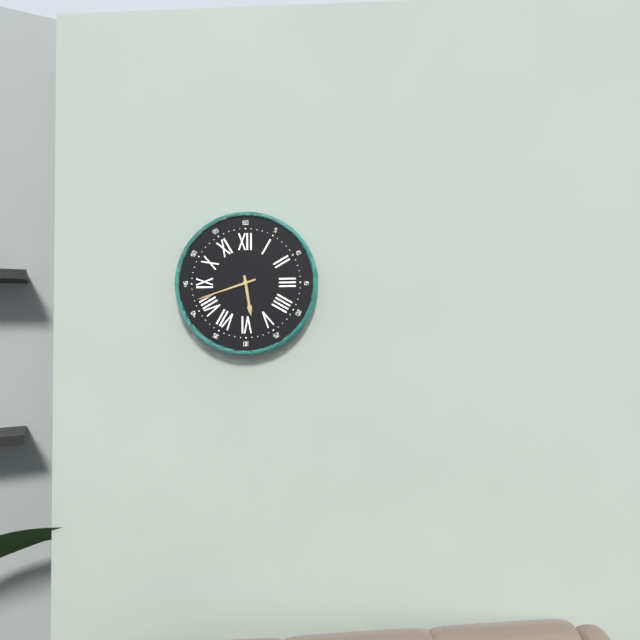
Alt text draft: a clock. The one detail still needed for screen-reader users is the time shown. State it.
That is 5:42
